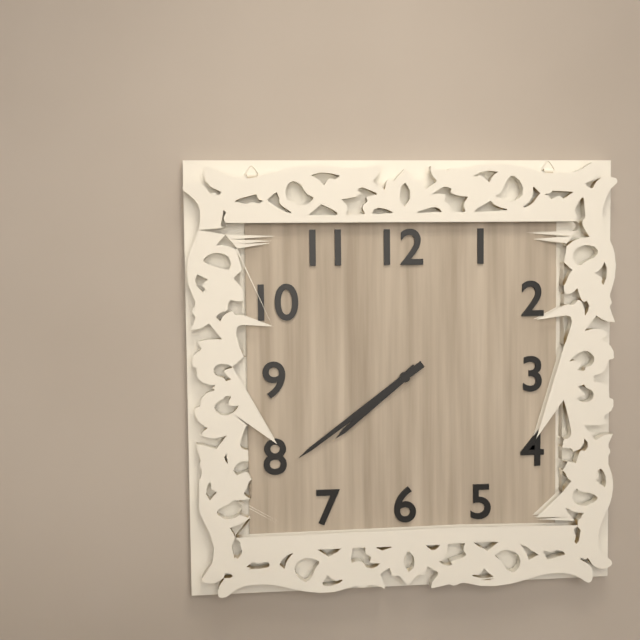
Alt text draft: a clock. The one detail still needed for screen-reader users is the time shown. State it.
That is 7:39
